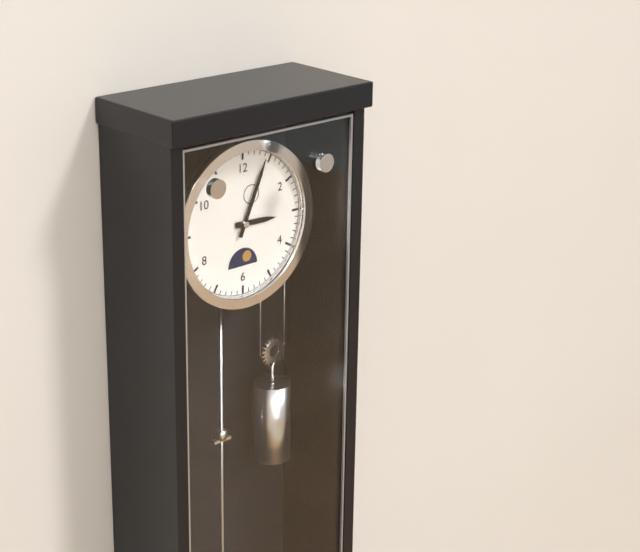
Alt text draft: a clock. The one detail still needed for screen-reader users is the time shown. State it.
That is 3:04
